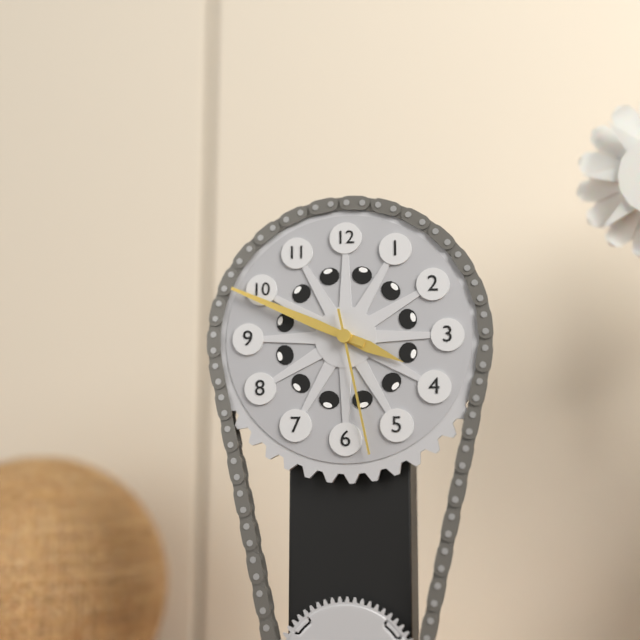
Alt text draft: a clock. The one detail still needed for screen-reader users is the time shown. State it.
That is 3:49:28
